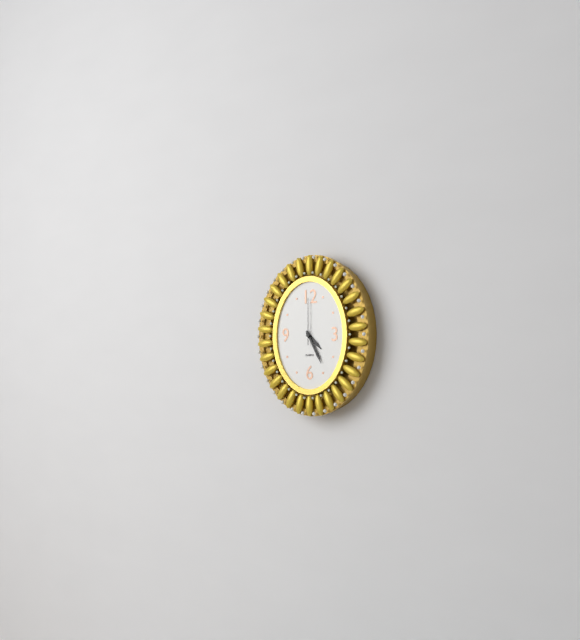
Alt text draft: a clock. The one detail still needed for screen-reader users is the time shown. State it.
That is 4:25
